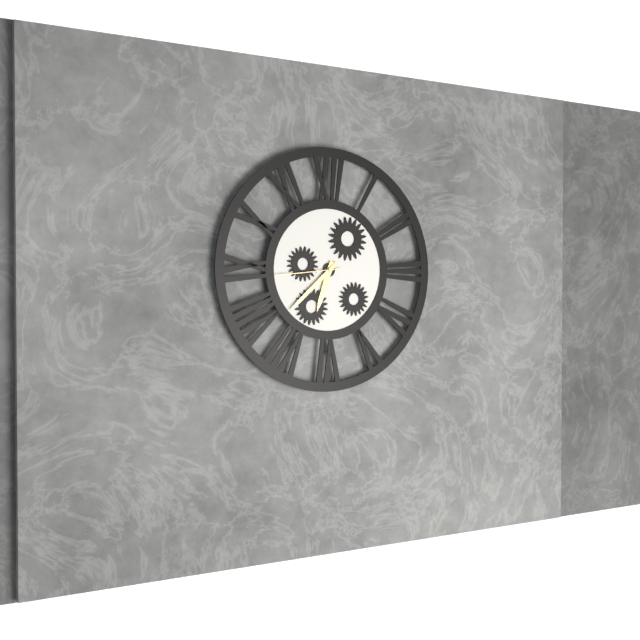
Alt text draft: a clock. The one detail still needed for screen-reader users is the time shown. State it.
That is 6:38:44
